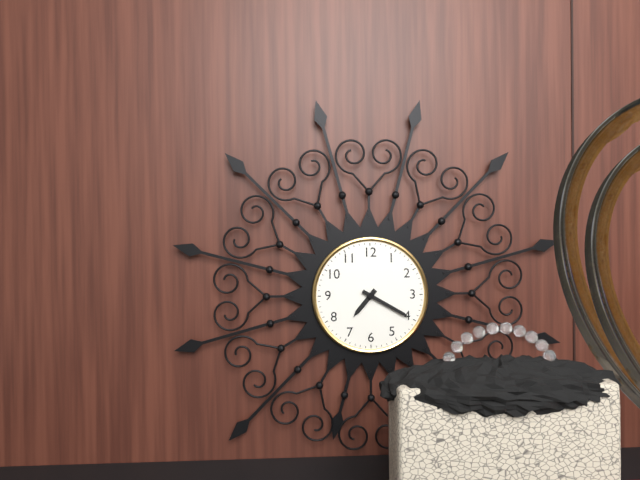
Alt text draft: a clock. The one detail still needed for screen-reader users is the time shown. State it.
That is 7:20
